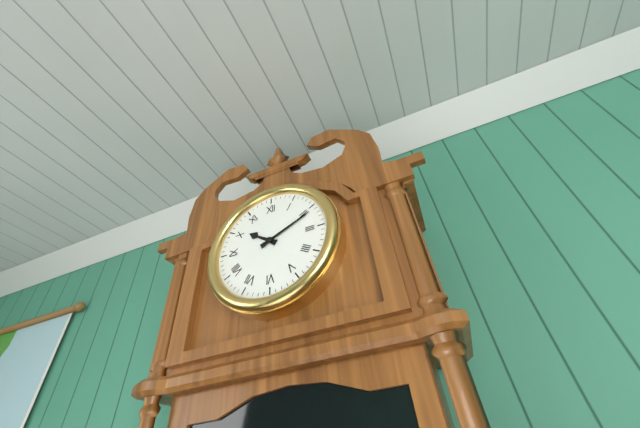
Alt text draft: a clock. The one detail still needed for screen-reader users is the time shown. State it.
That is 10:11
